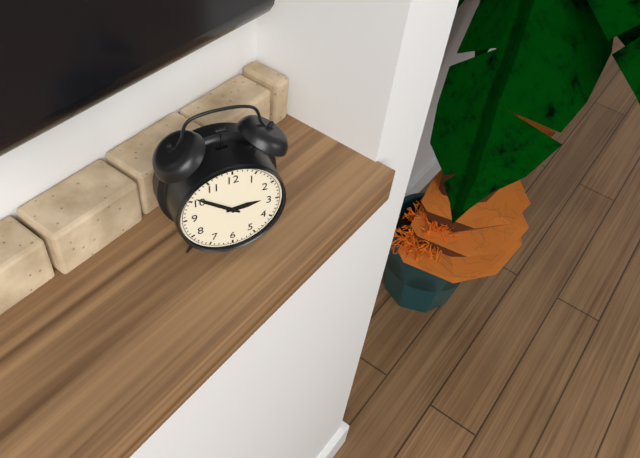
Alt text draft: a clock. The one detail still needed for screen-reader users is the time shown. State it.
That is 2:51
